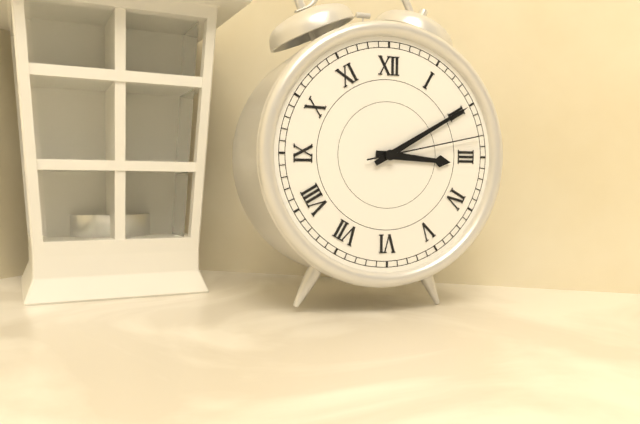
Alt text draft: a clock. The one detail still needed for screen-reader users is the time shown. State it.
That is 3:10:13
